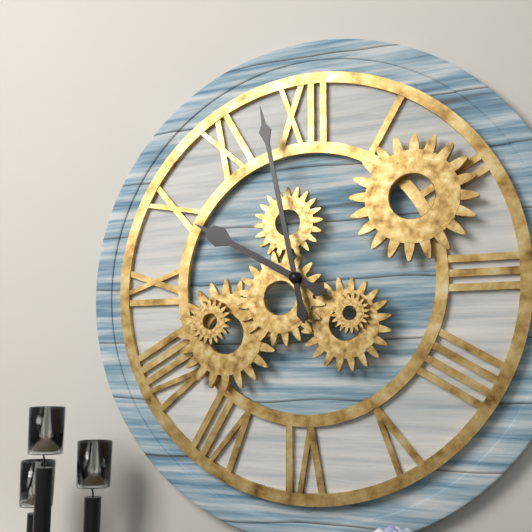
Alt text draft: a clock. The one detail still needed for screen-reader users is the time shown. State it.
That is 9:58
